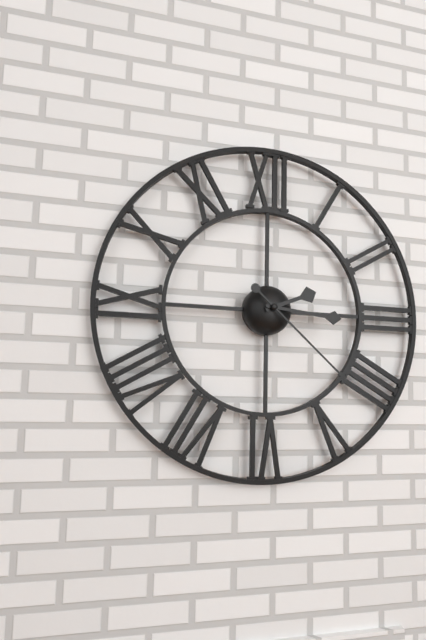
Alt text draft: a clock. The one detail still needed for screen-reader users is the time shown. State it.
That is 2:16:22
